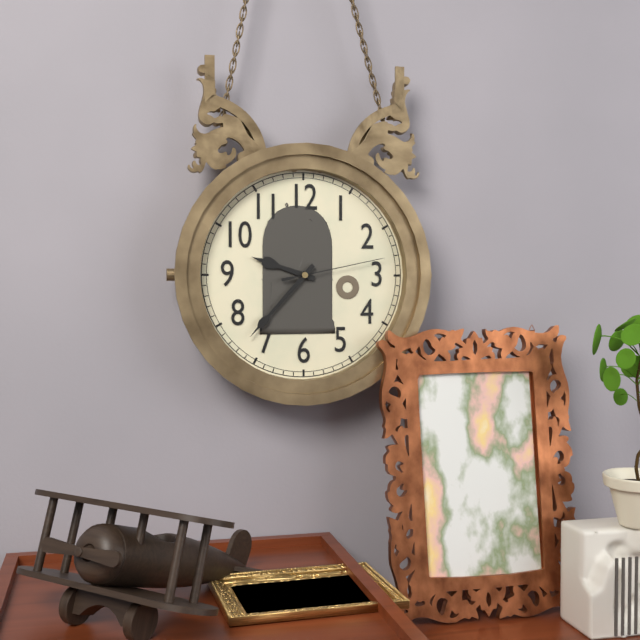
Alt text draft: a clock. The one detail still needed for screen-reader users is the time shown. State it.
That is 9:37:13
